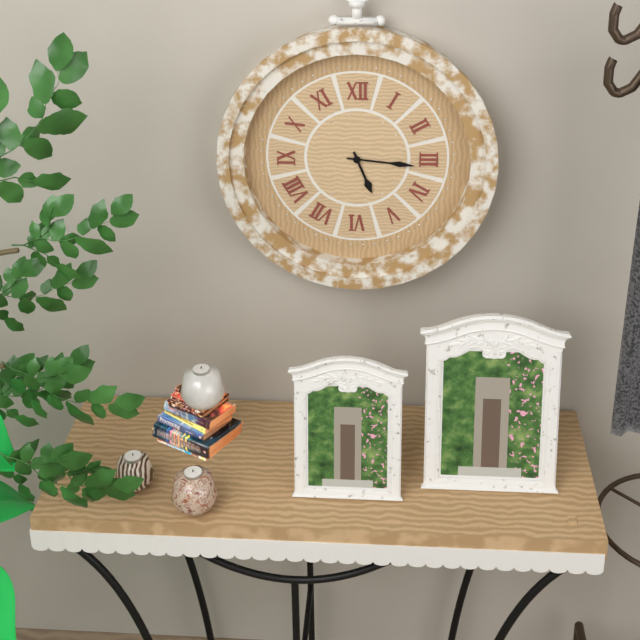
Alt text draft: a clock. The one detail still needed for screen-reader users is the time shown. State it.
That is 5:16
